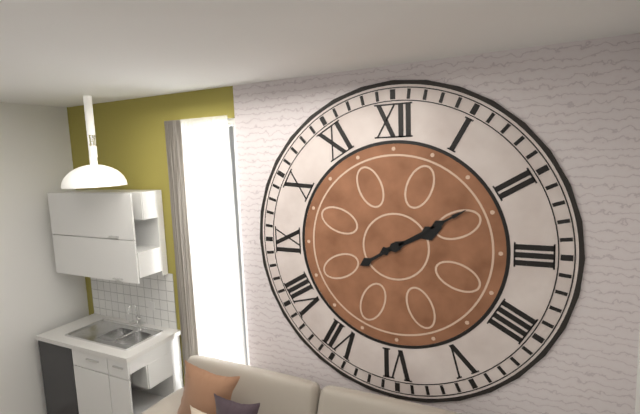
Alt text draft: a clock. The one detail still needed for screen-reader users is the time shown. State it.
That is 2:10
